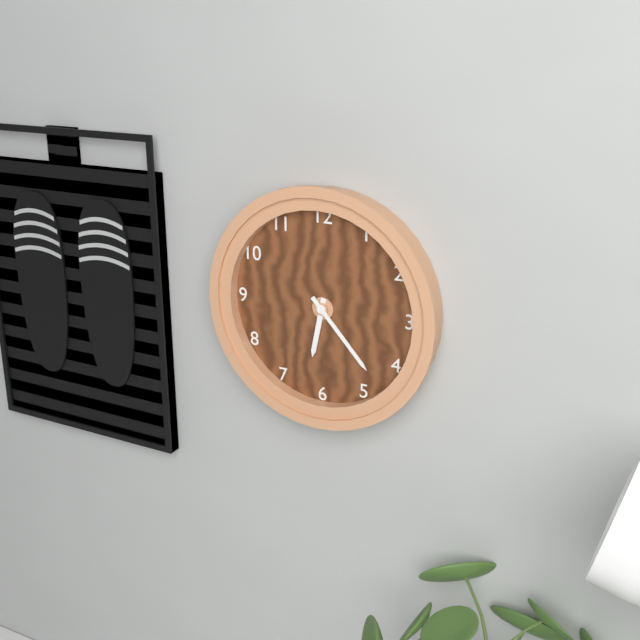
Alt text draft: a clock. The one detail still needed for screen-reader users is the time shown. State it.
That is 6:23
